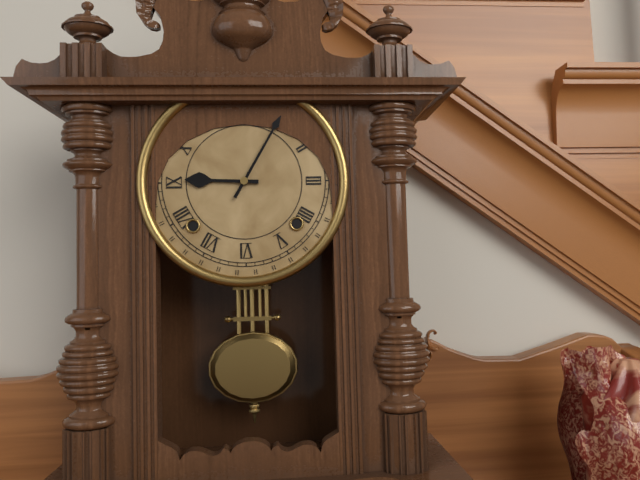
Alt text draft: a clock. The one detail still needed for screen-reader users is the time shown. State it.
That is 9:05
